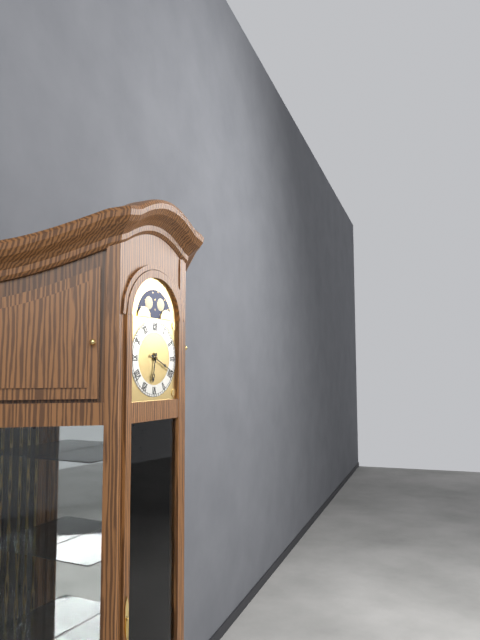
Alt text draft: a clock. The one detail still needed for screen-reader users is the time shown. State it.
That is 6:19
